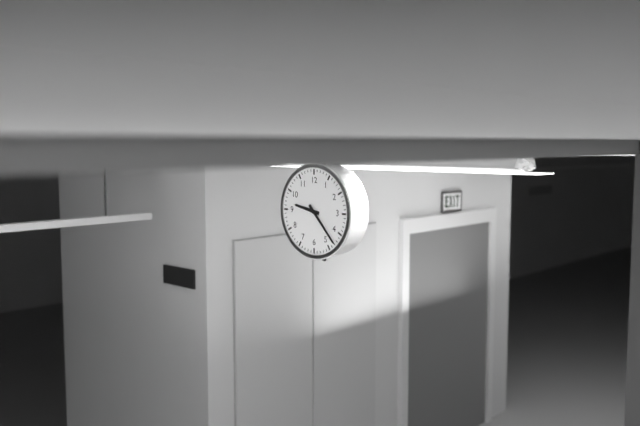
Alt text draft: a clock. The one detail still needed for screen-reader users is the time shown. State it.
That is 9:23
